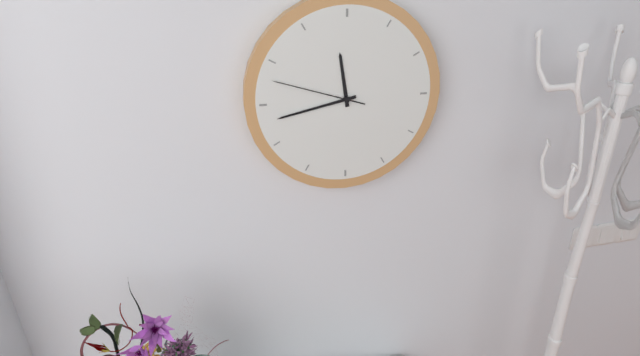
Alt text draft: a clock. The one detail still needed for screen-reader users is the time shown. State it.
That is 11:43:48
